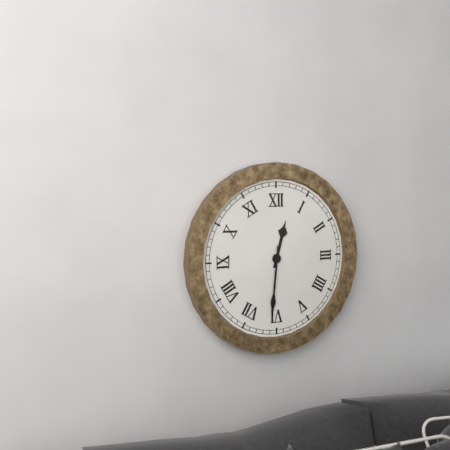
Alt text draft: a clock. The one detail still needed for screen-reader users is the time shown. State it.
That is 12:31
